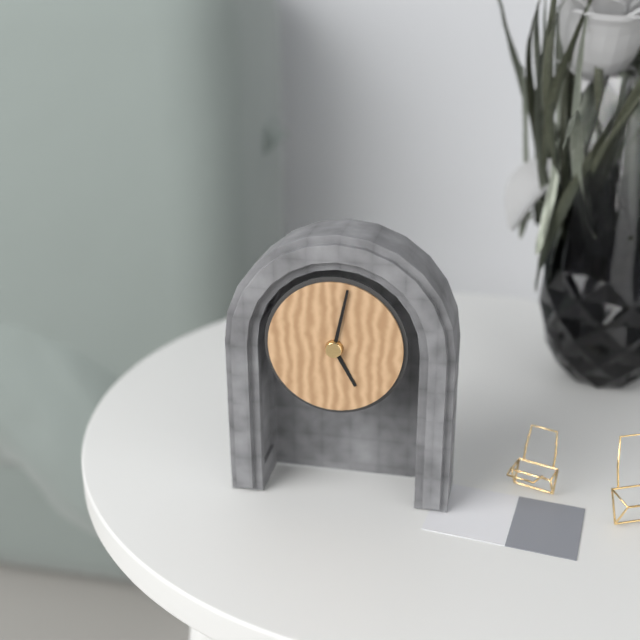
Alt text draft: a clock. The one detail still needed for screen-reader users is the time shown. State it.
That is 5:02
